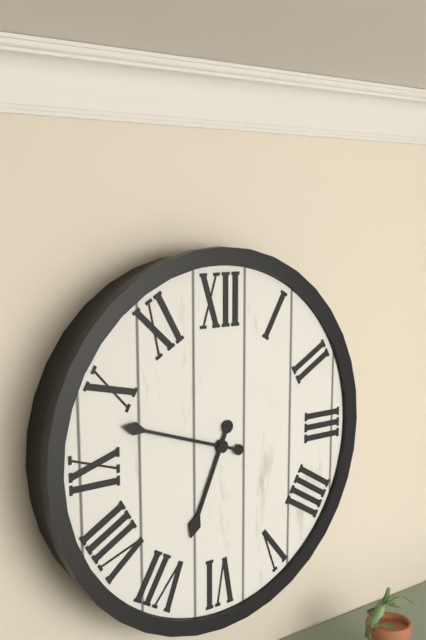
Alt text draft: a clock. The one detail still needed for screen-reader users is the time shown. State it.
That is 6:48
